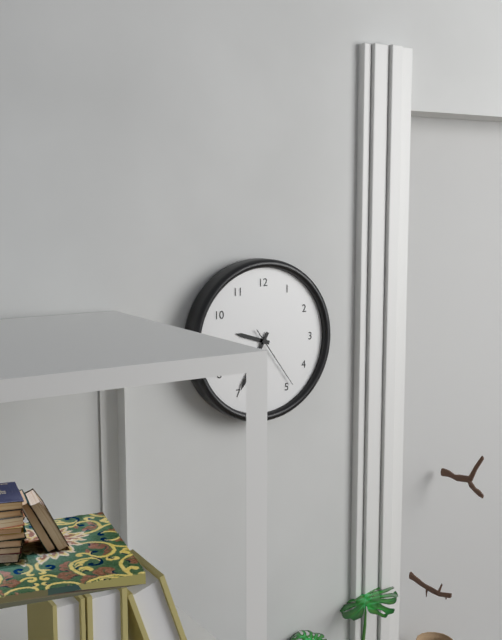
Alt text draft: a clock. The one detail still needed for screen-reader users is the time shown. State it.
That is 9:35:24
